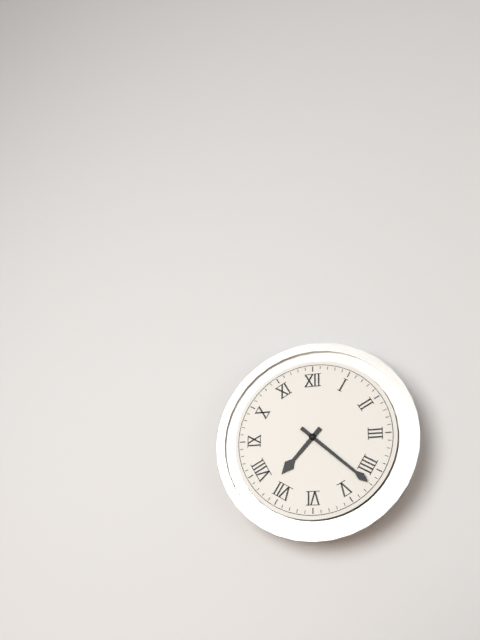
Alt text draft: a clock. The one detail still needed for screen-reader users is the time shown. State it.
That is 7:22
